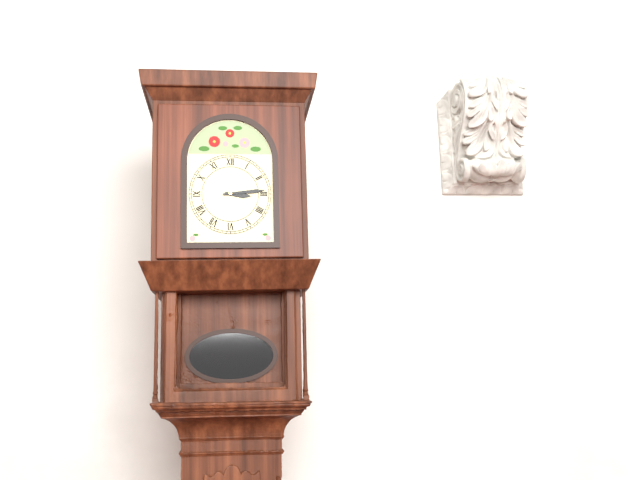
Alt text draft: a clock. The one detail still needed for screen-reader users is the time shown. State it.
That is 3:14
